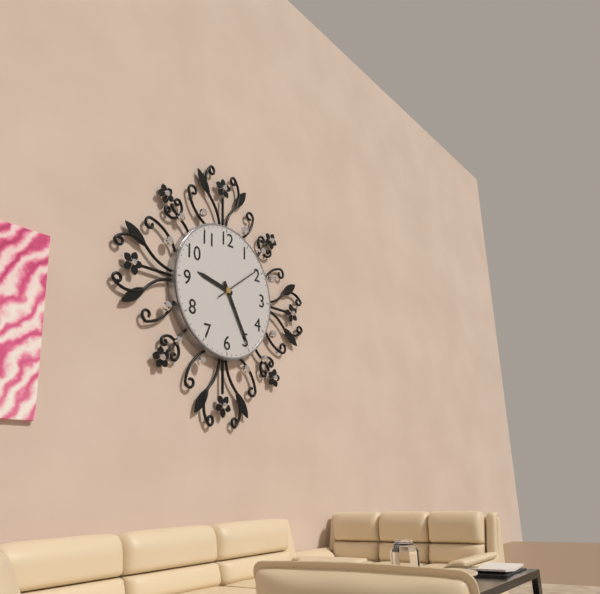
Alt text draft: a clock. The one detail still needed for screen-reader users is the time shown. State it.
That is 9:25
